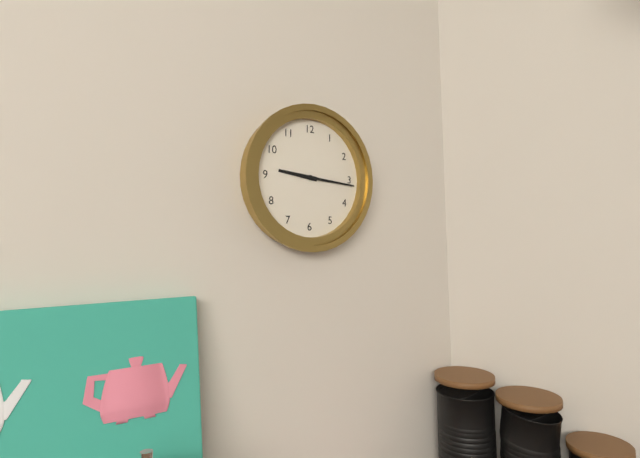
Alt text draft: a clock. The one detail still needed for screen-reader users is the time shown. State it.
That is 9:16
